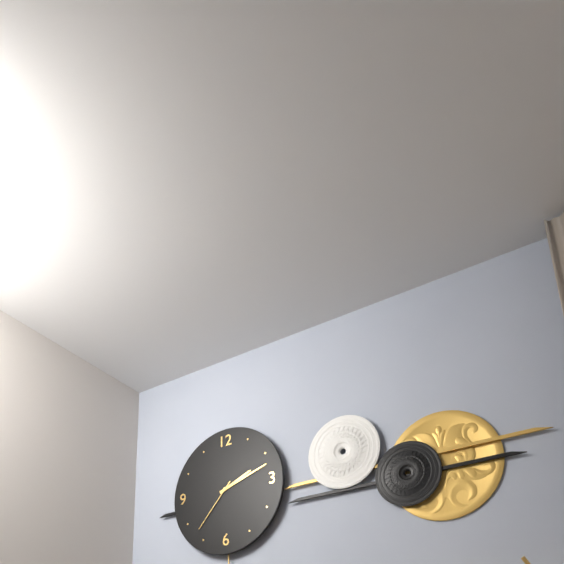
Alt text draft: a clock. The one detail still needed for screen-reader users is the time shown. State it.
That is 2:12:37
